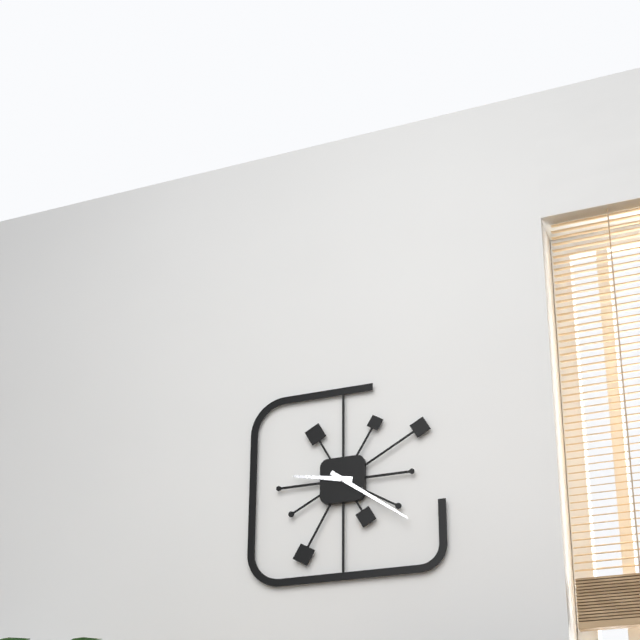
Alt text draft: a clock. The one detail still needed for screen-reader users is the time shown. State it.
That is 9:21
